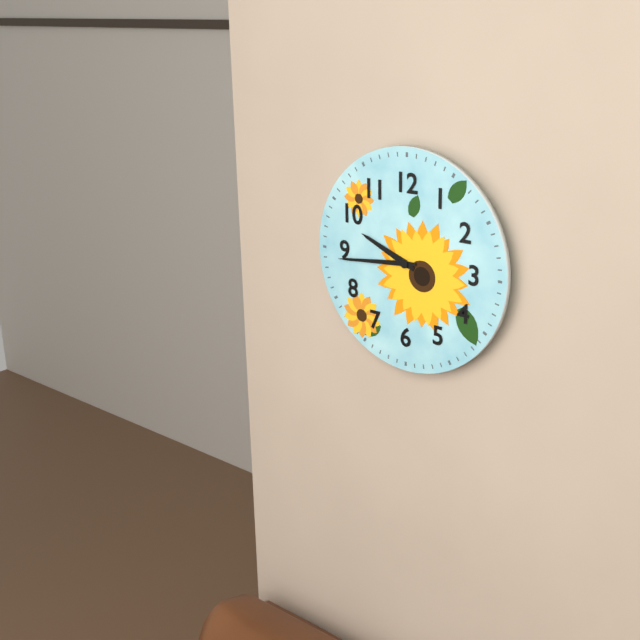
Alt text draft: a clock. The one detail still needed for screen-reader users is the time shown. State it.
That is 9:44
